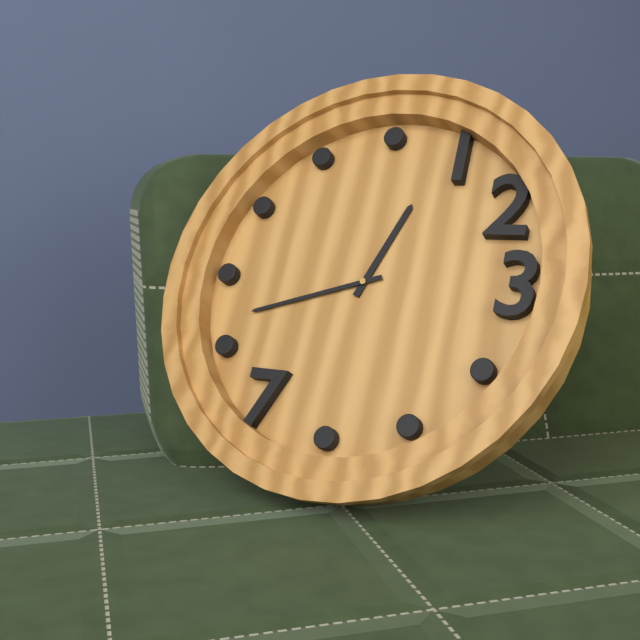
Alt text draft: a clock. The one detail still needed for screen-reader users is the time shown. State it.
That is 12:42
